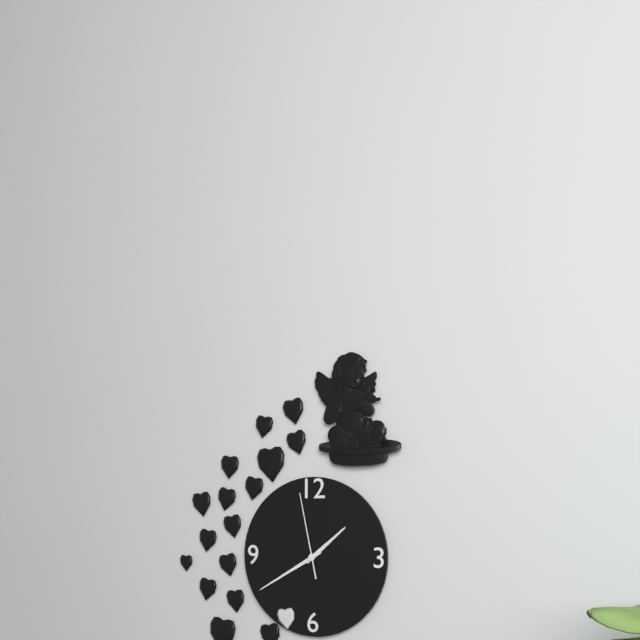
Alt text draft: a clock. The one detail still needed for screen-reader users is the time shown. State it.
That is 1:40:58
